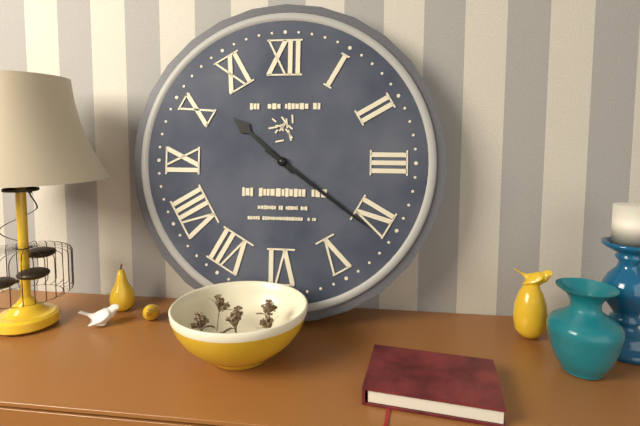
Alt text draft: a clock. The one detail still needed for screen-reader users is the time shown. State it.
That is 10:21
